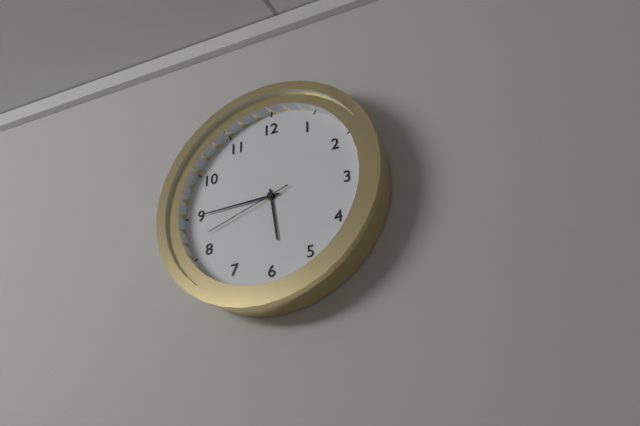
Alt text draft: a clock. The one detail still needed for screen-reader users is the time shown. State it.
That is 5:45:42
